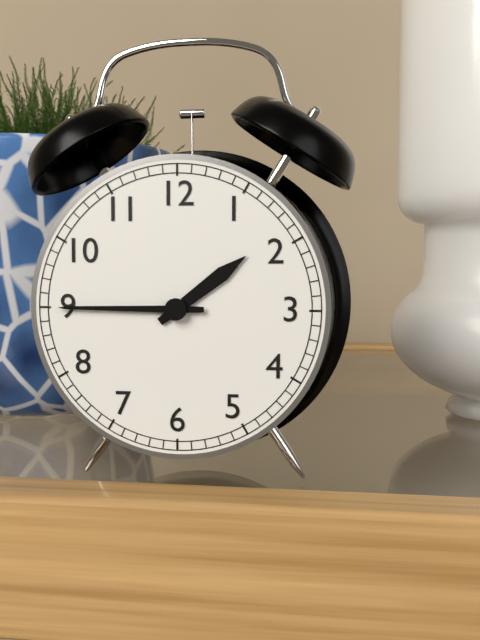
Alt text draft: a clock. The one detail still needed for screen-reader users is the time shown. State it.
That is 1:45
